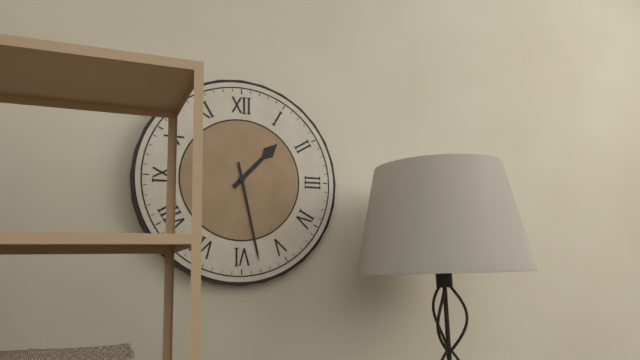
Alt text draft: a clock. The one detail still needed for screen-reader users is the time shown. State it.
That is 1:28
